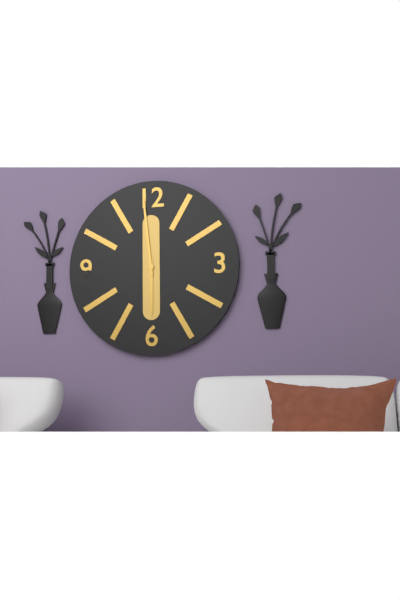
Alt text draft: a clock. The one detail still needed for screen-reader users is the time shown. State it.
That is 5:59
